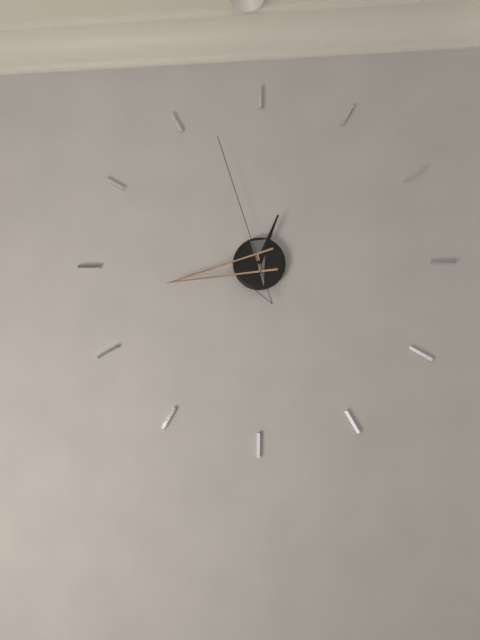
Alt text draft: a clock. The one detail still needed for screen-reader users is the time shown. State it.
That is 12:43:57
